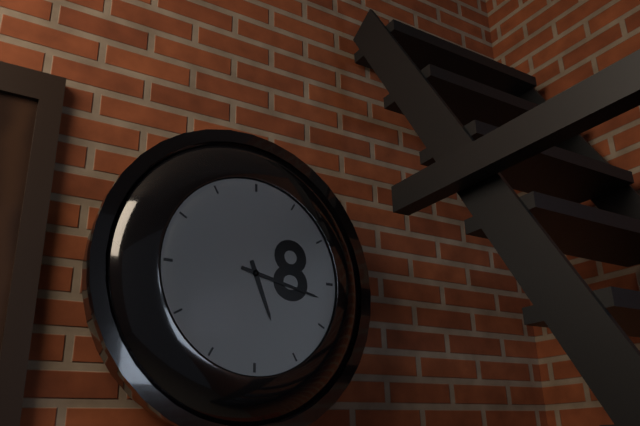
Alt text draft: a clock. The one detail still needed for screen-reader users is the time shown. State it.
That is 5:17
